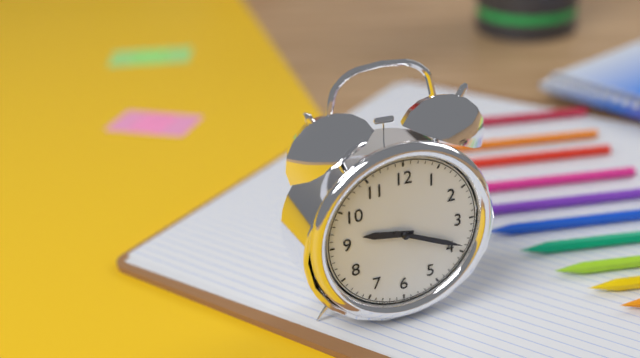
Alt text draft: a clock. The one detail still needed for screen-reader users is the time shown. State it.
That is 9:19
